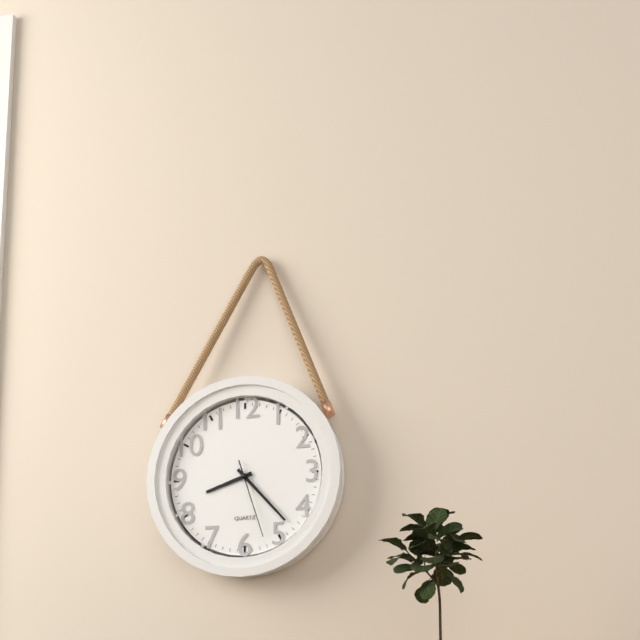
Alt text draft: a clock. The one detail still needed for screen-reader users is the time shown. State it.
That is 8:23:27
